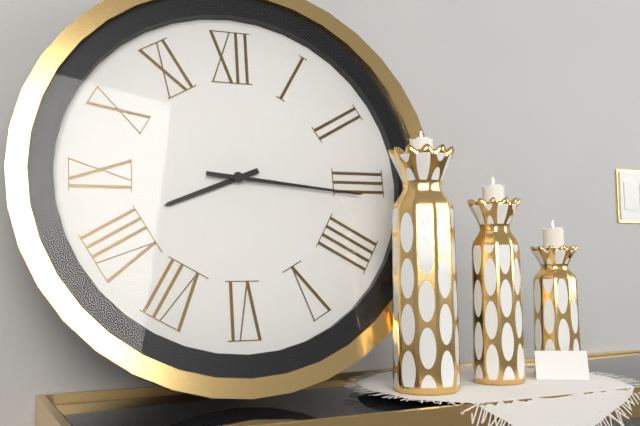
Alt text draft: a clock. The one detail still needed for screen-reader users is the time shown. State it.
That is 8:16
